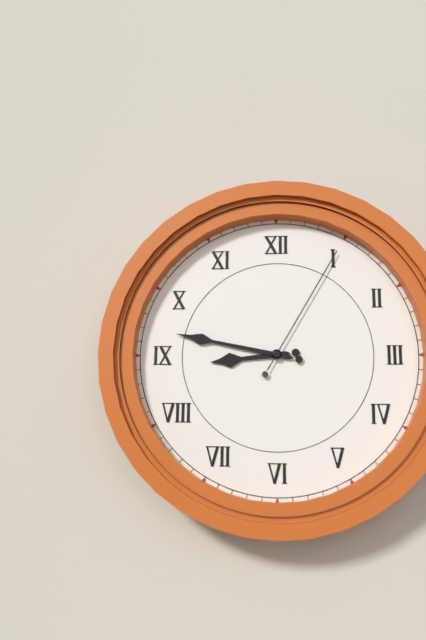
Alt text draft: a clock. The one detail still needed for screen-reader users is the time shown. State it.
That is 8:47:05
